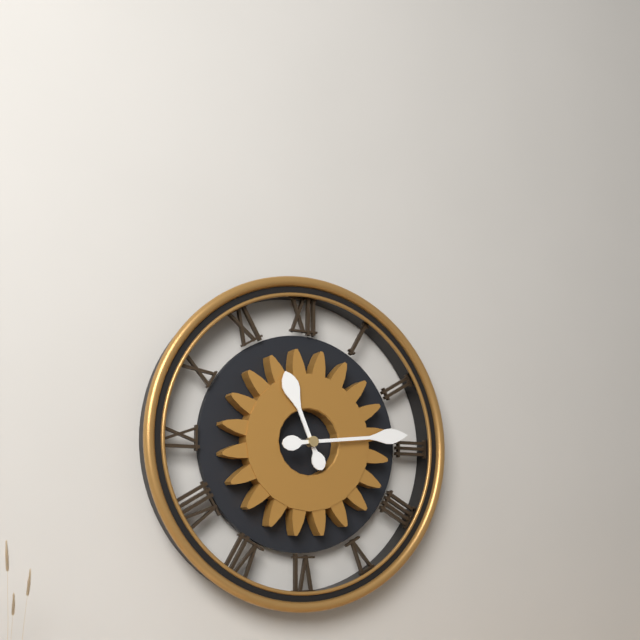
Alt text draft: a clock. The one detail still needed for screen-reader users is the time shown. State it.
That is 11:14
